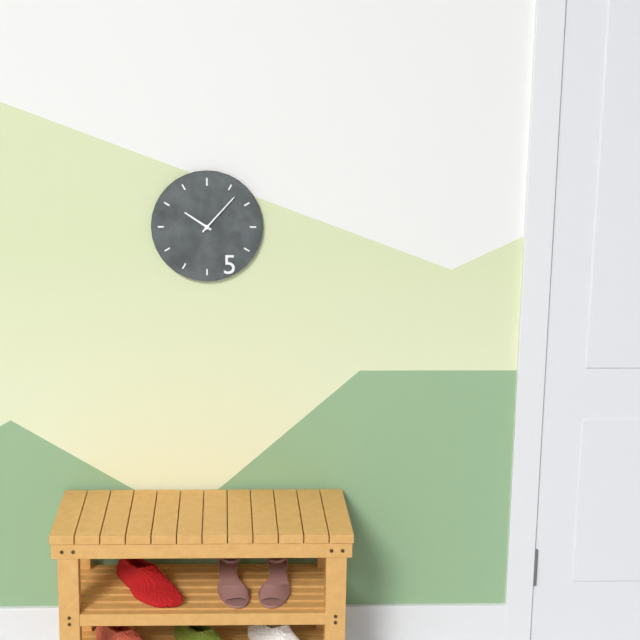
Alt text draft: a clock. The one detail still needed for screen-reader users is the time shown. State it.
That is 10:07
